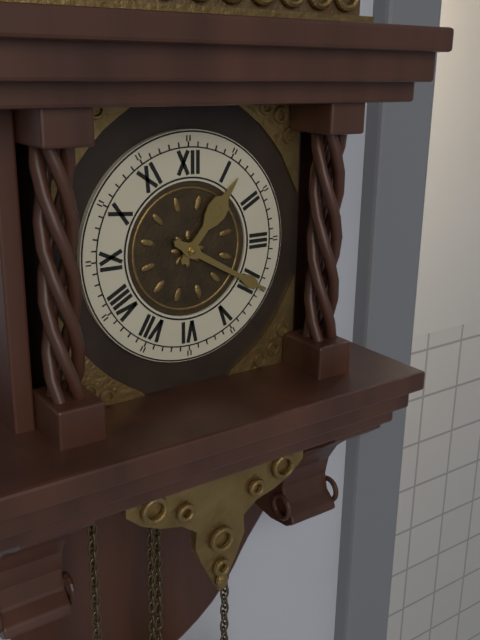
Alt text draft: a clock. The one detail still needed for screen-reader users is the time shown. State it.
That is 1:20
